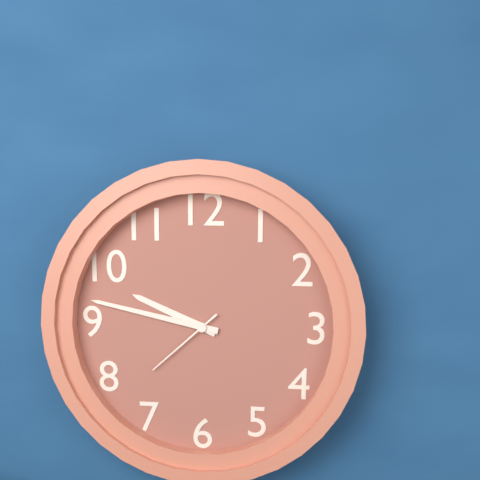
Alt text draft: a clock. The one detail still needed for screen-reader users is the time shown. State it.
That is 9:47:38
